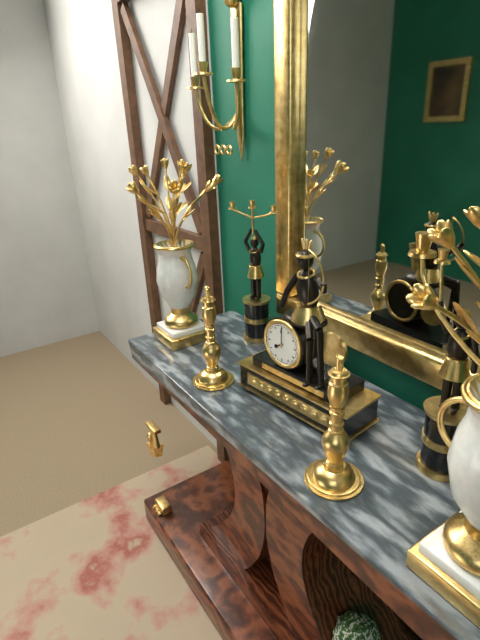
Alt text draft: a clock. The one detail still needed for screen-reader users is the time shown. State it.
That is 8:00
